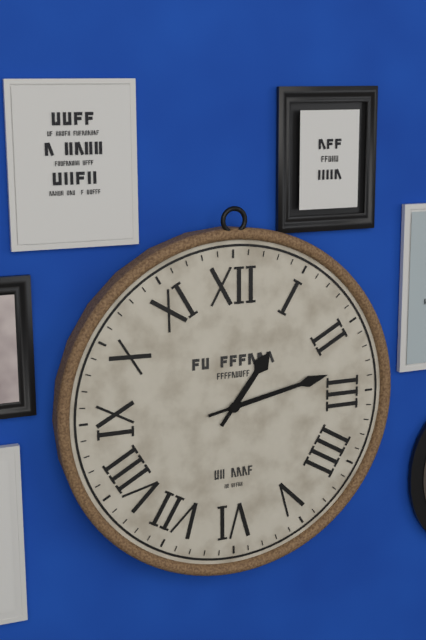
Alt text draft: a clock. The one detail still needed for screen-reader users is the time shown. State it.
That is 1:13
